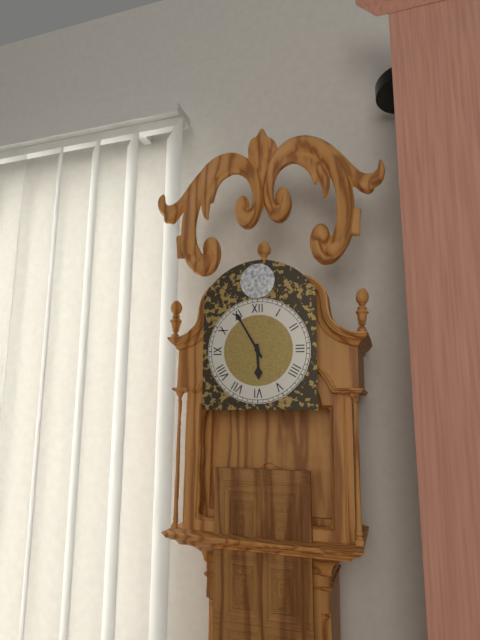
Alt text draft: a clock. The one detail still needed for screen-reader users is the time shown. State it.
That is 5:55
